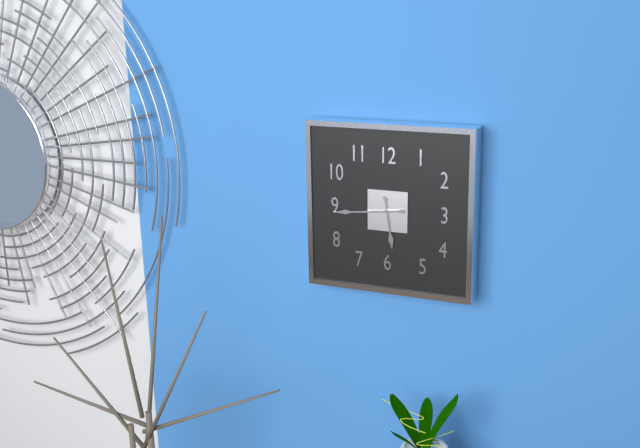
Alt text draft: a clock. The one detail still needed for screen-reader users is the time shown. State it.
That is 5:44
